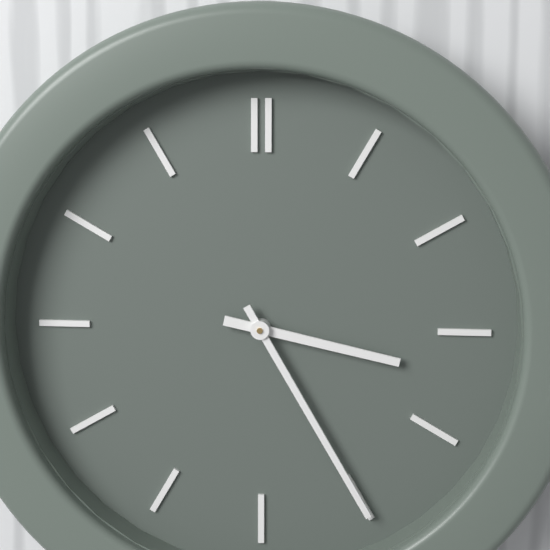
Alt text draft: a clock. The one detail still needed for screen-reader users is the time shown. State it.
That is 3:25
